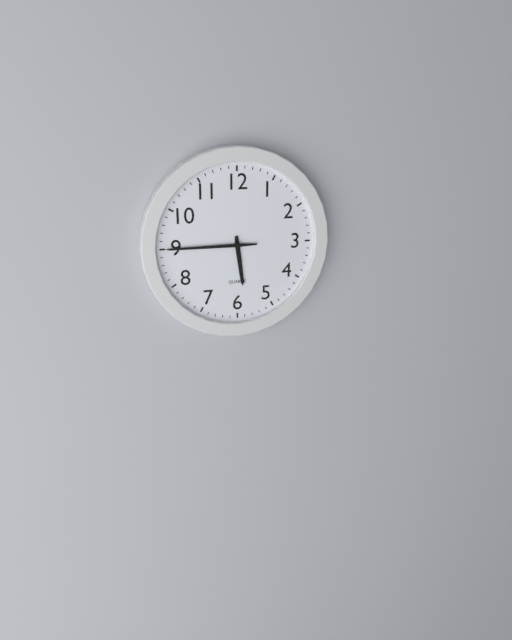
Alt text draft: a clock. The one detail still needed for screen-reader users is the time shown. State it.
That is 5:45
